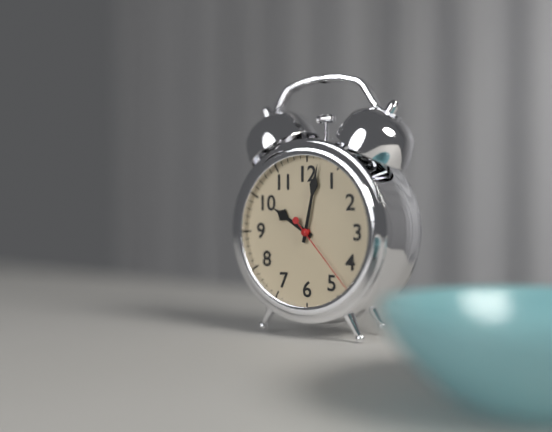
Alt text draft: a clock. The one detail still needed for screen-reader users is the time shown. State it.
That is 10:02:23
